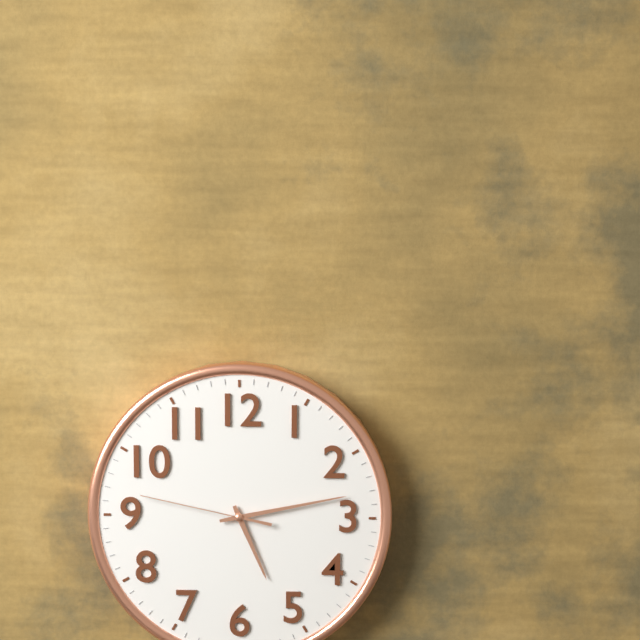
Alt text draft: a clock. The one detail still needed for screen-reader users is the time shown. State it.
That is 5:13:47
